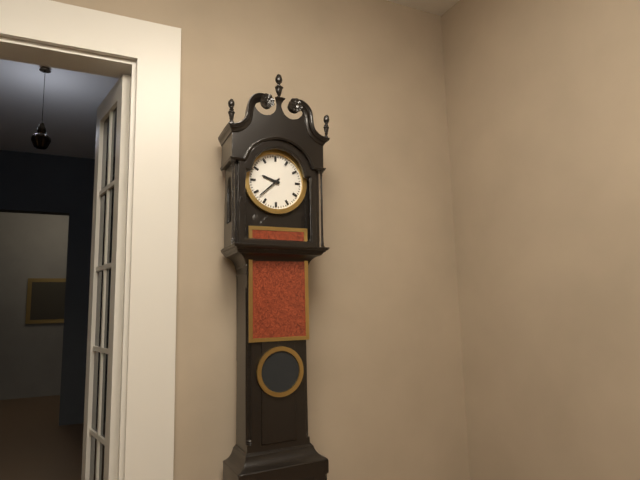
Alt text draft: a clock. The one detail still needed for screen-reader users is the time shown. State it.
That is 9:38
